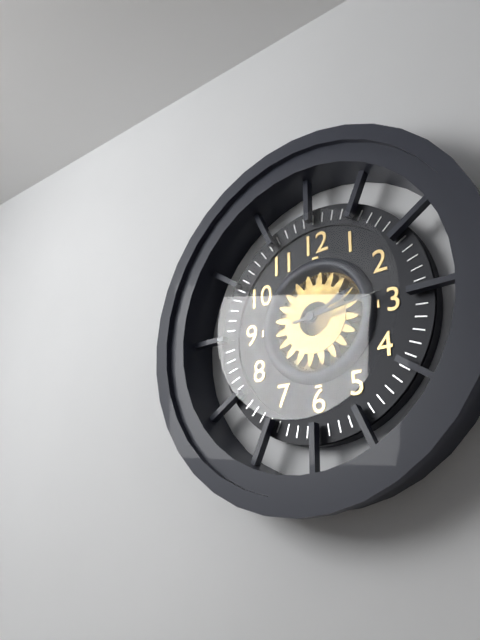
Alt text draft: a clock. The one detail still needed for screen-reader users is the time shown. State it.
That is 2:14
